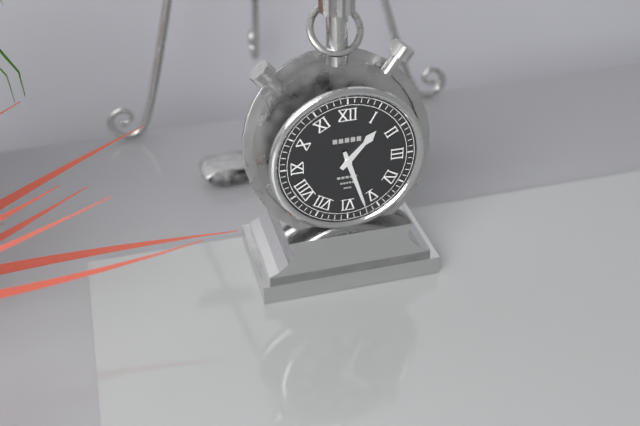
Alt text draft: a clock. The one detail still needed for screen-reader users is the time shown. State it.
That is 1:27
